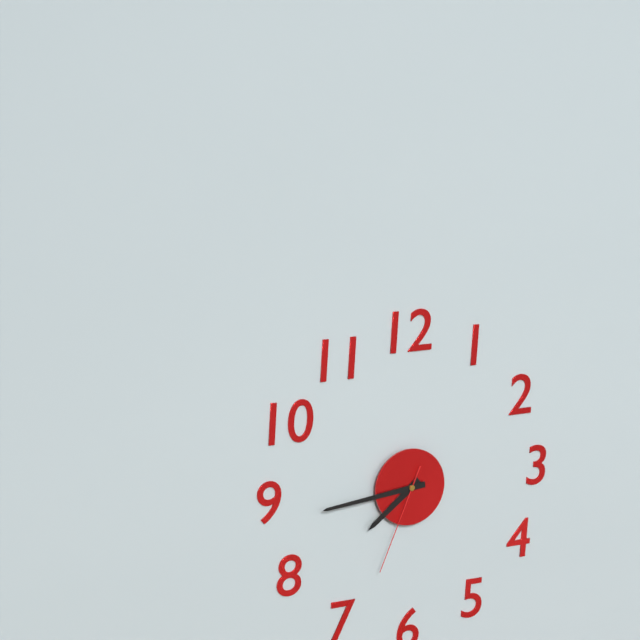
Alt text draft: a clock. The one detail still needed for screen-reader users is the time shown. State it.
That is 7:44:34
